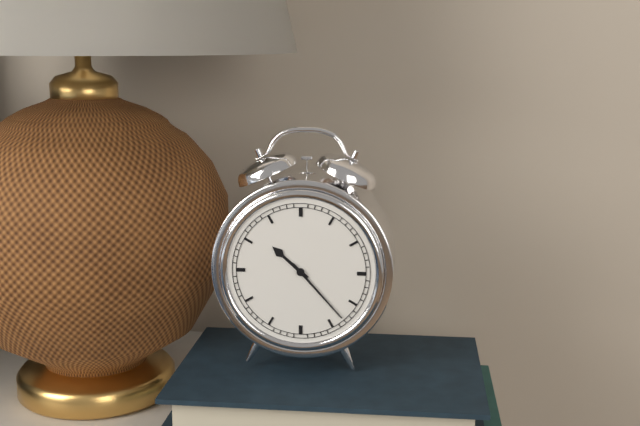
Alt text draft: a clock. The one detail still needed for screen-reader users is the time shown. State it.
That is 10:23
